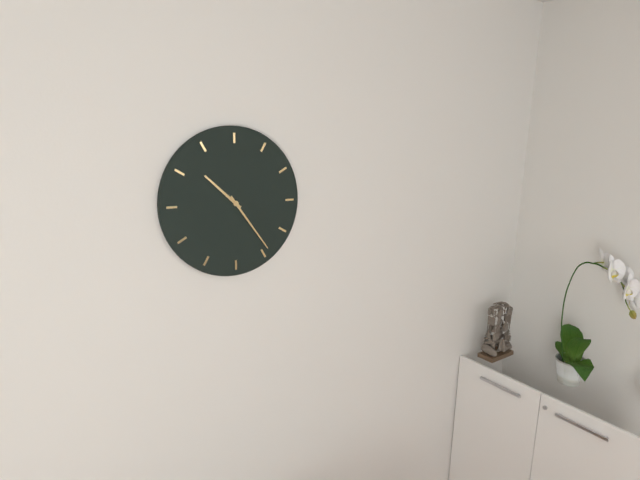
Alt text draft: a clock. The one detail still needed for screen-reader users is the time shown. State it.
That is 10:24
